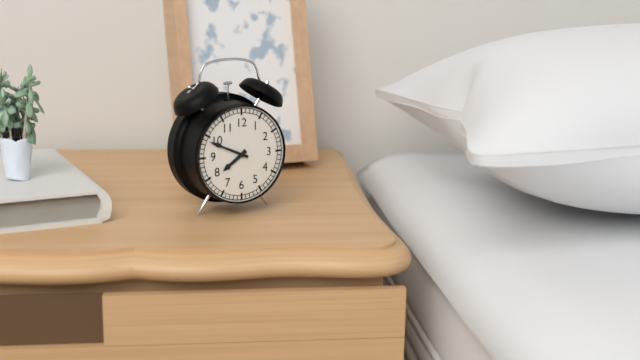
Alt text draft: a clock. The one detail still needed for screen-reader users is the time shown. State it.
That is 7:49
